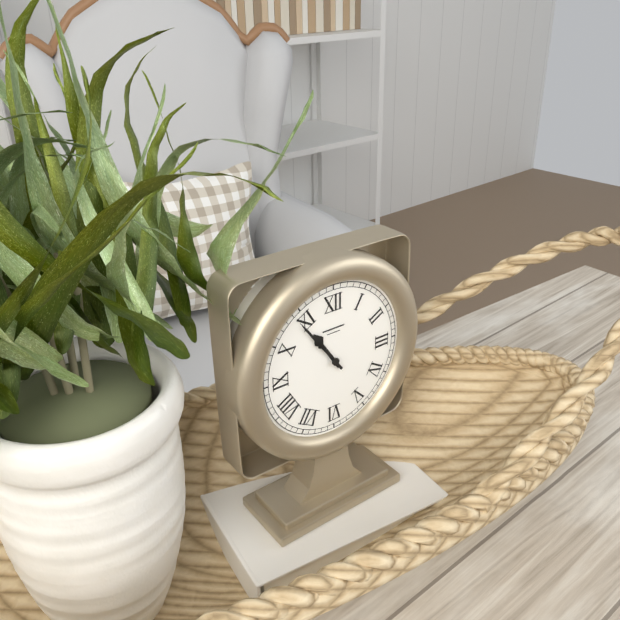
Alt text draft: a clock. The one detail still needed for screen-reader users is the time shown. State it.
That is 10:54
